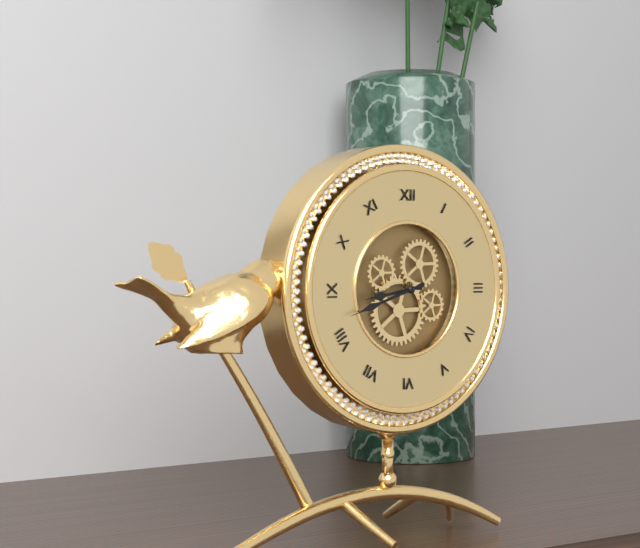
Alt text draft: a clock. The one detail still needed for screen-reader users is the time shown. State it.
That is 8:42
